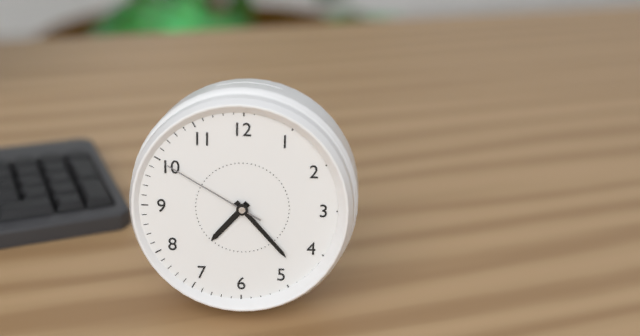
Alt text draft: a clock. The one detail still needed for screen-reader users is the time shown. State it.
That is 7:23:50
